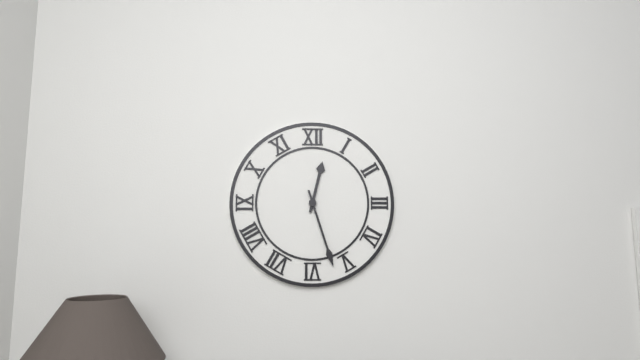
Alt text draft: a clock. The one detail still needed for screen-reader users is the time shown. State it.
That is 12:27
